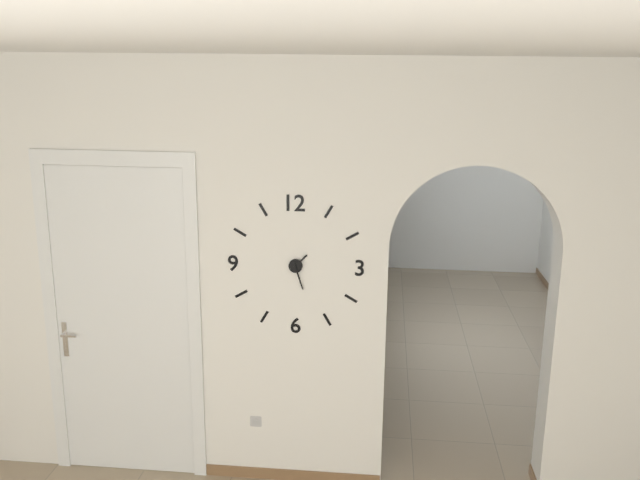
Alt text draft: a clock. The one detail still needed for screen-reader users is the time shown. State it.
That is 1:27
